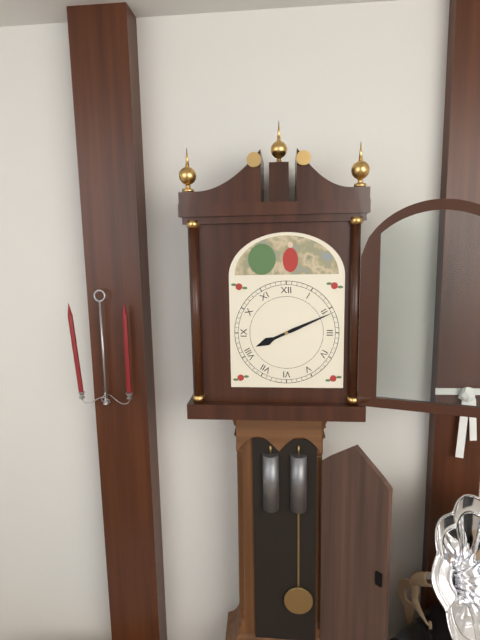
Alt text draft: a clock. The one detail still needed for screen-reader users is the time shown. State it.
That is 8:11
